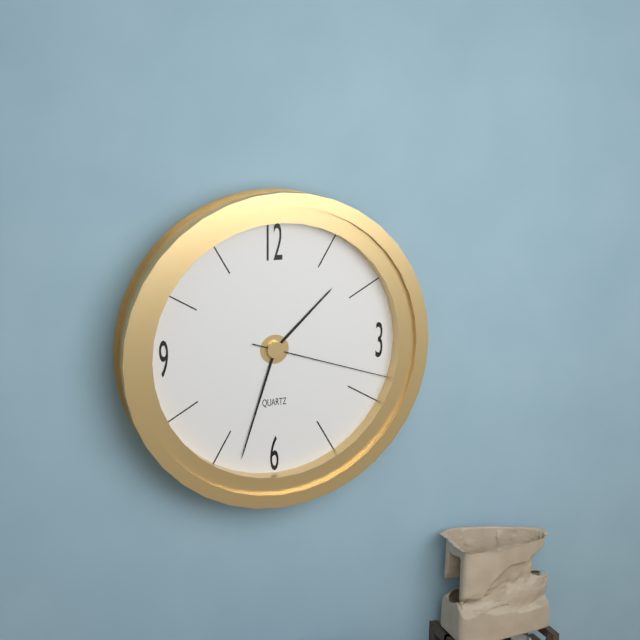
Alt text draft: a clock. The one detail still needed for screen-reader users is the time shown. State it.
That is 1:33:18
